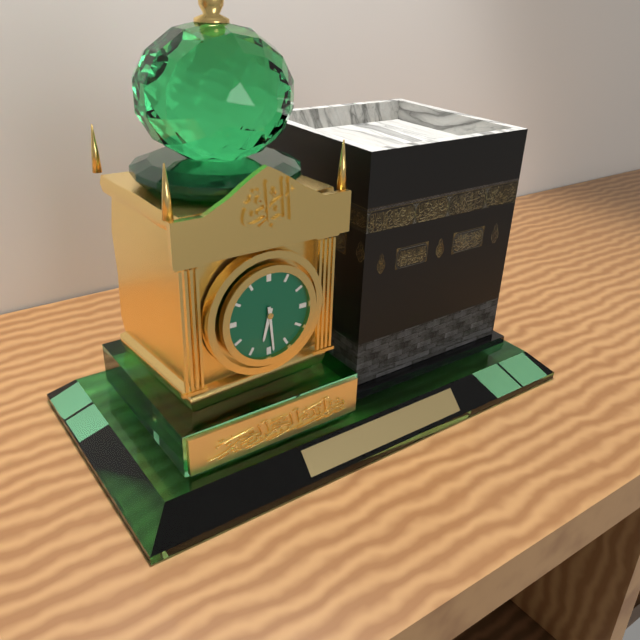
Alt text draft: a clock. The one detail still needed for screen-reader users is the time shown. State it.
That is 6:29
